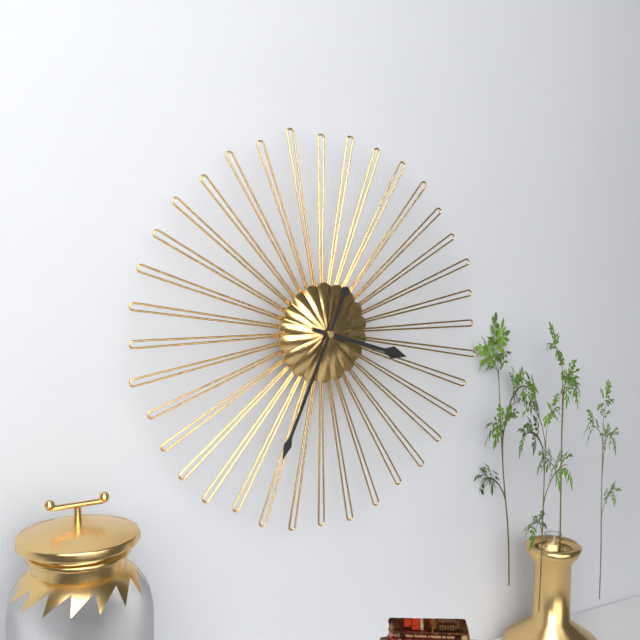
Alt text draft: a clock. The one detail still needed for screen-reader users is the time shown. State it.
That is 3:34
